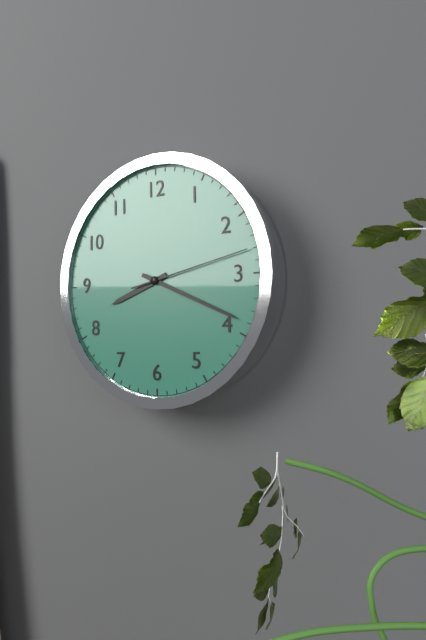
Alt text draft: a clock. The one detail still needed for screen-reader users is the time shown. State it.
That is 8:19:13
